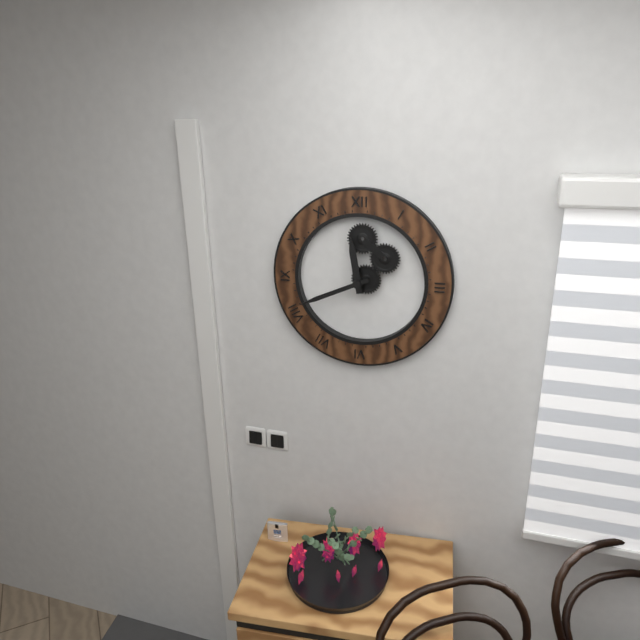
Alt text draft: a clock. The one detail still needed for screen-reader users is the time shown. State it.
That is 11:41
